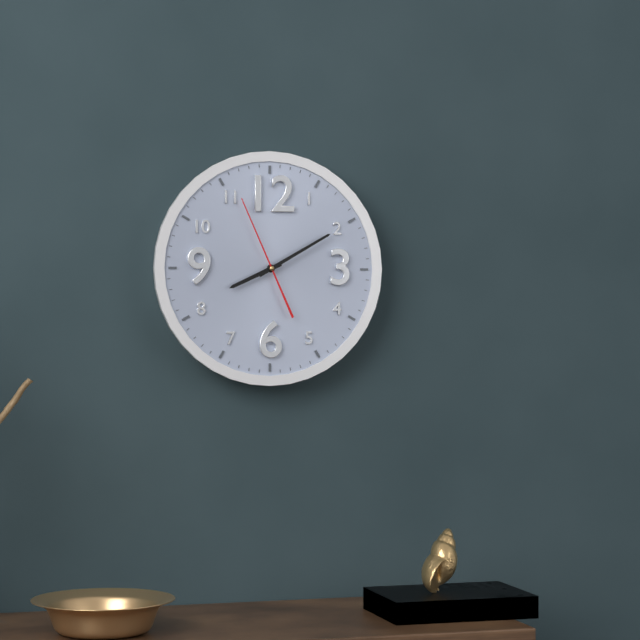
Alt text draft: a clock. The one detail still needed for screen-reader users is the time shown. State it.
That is 8:10:56
